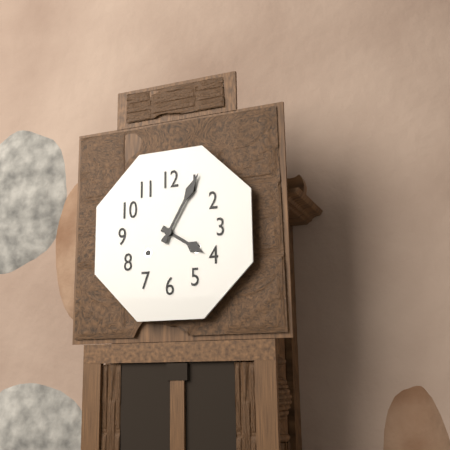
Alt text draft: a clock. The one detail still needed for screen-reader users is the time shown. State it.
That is 4:05
